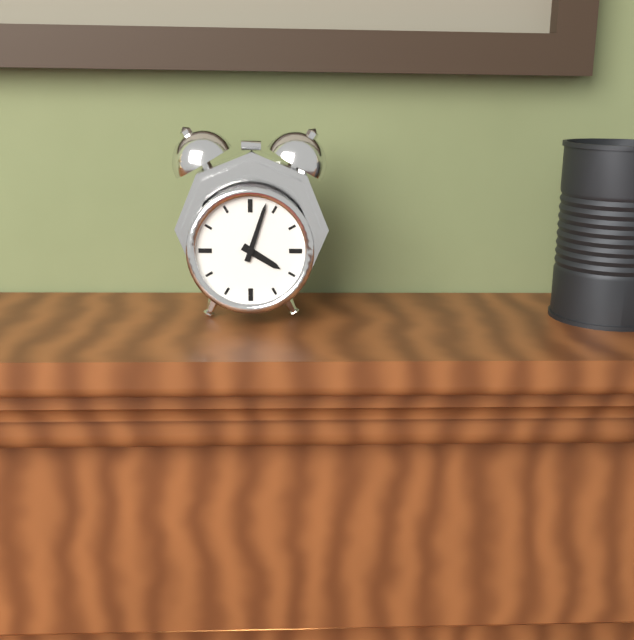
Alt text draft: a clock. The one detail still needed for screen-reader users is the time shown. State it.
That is 4:03
